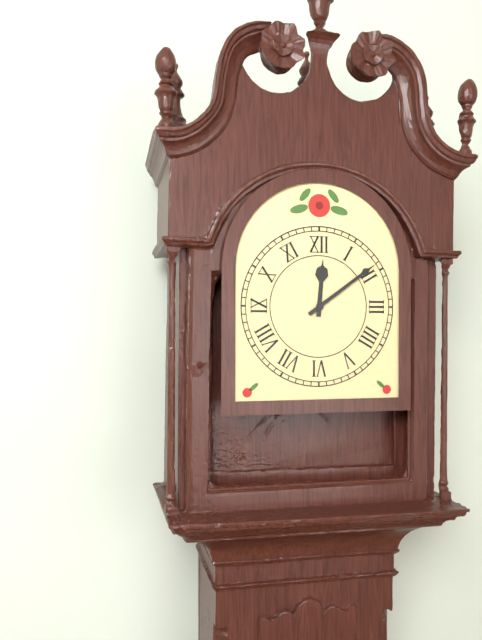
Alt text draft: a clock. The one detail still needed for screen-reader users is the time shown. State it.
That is 12:09
